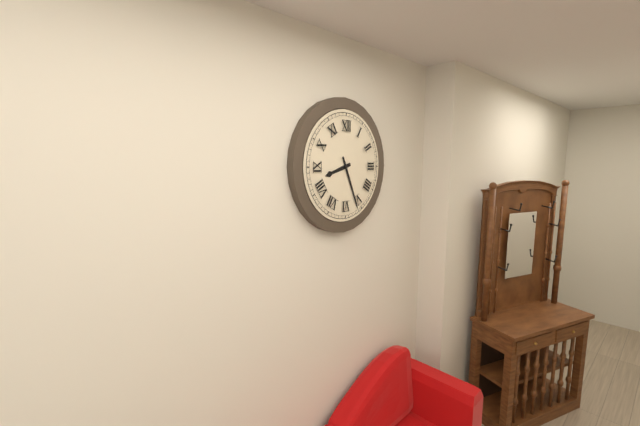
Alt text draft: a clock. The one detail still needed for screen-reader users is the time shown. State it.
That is 8:26
